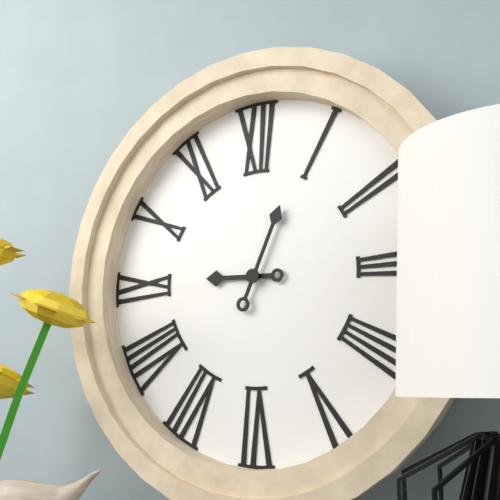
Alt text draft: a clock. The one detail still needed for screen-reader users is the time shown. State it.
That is 9:04
